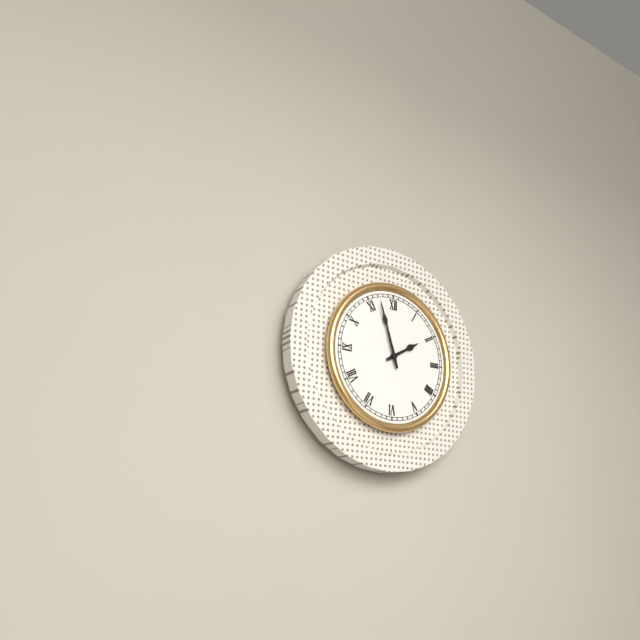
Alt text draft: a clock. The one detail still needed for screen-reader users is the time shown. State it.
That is 1:57
